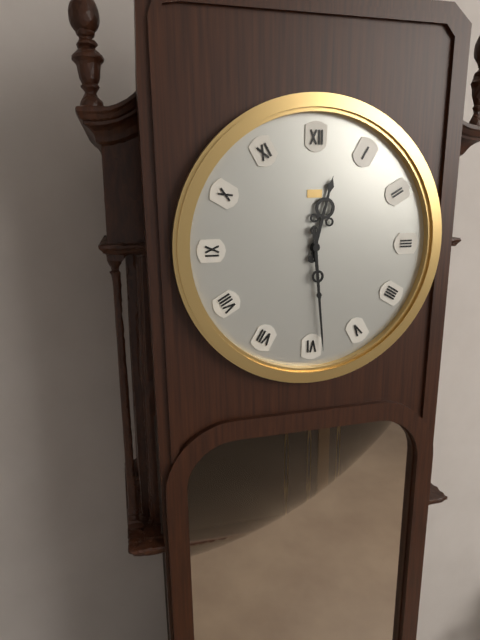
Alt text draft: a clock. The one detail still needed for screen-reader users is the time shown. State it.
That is 12:29
